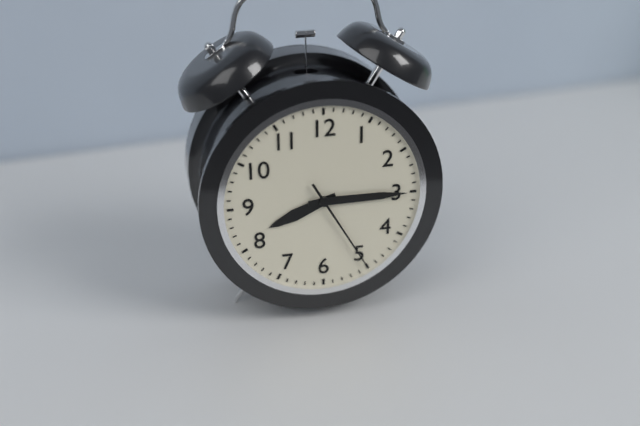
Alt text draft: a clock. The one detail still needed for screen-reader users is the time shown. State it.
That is 8:15:25
